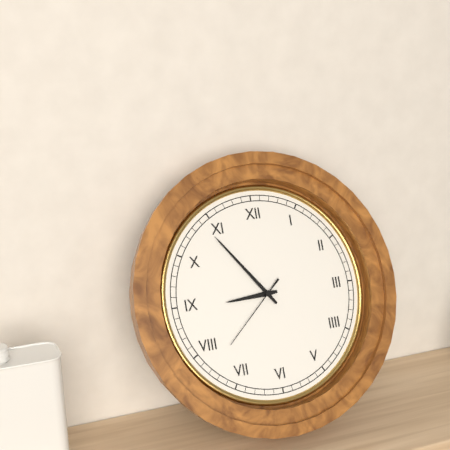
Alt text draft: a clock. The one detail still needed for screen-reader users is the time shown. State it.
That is 8:54:38
